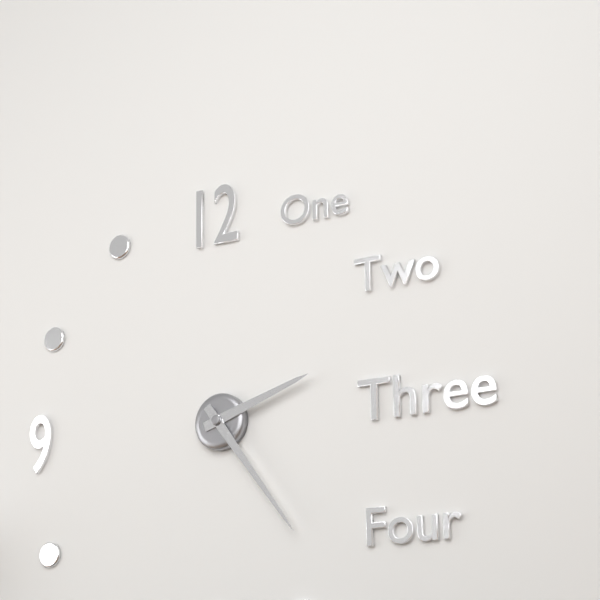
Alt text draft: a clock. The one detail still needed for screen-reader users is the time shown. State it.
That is 2:24
